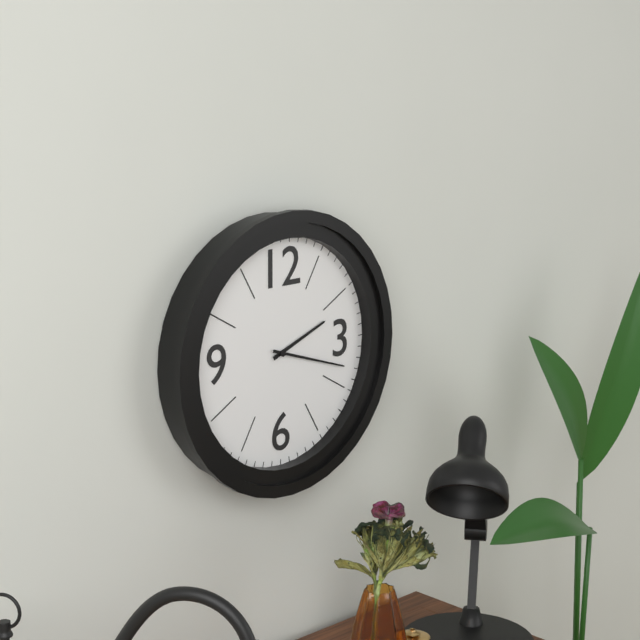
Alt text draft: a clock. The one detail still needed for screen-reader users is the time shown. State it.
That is 2:18
